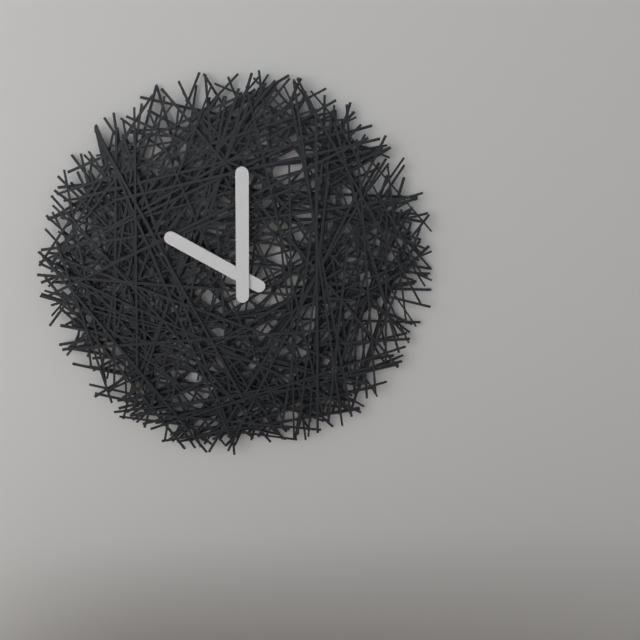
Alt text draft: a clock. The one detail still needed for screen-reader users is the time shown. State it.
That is 10:00
